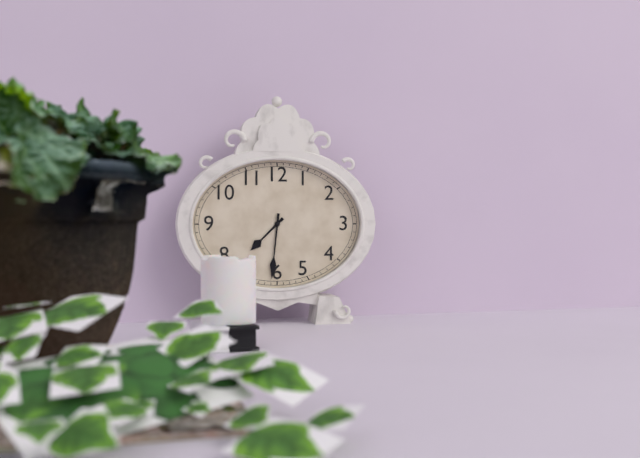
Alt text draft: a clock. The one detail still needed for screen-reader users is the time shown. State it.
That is 7:31
